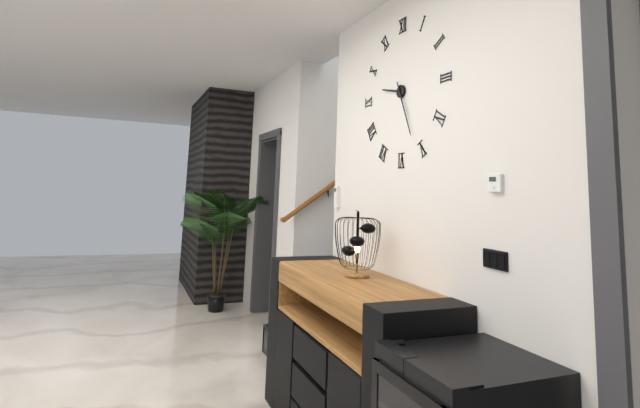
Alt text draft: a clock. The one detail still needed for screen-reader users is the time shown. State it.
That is 9:26
